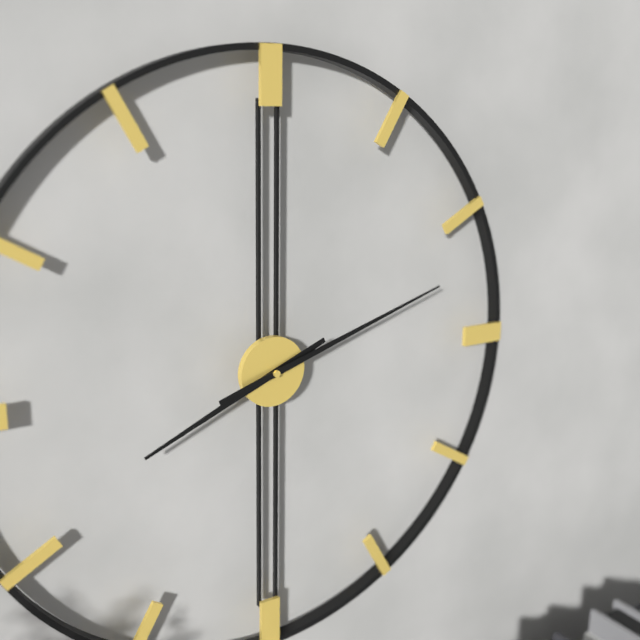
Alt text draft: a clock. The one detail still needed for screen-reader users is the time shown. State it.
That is 8:12
